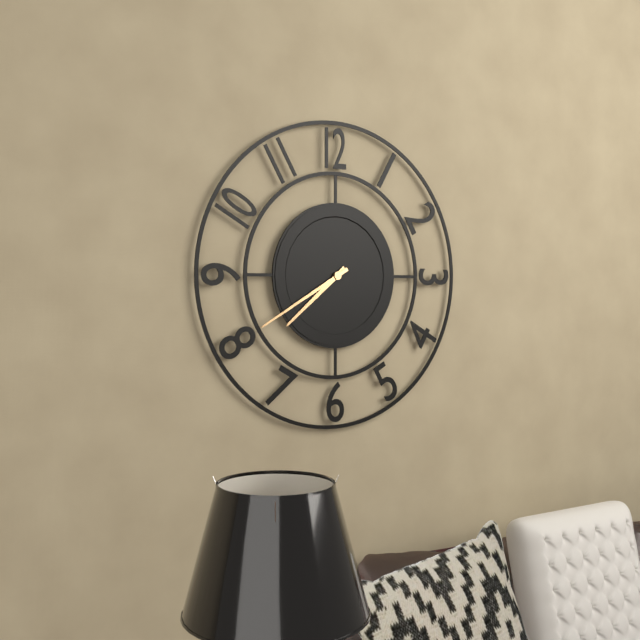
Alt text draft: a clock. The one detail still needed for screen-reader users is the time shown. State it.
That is 7:40
